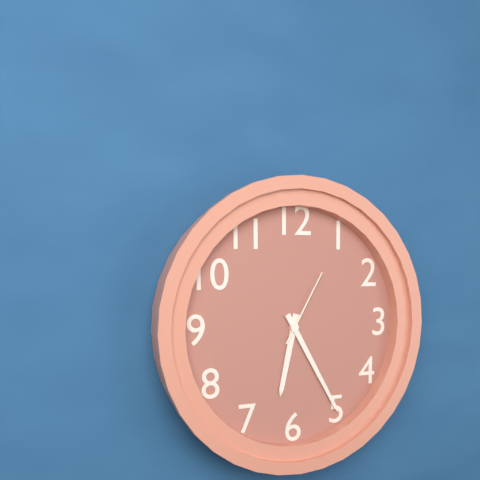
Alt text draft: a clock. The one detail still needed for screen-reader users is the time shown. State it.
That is 6:25:05
